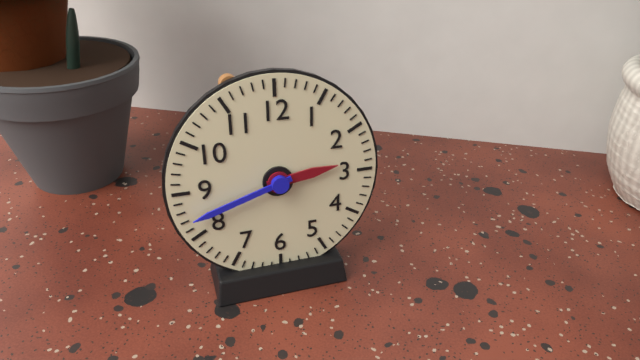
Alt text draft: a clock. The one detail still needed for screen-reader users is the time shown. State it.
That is 2:42
